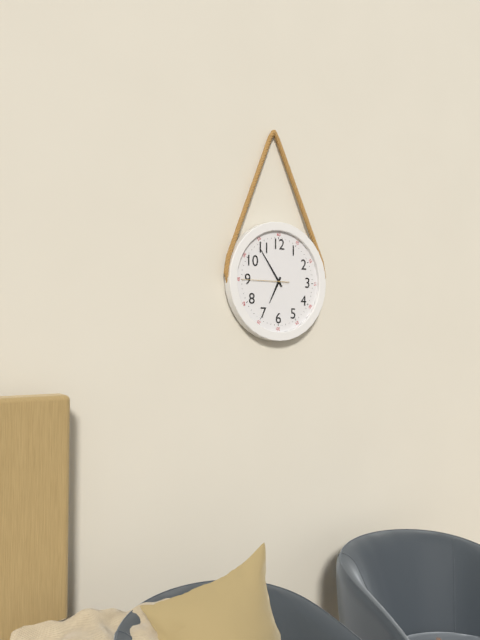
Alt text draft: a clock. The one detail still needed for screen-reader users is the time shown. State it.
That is 6:54
